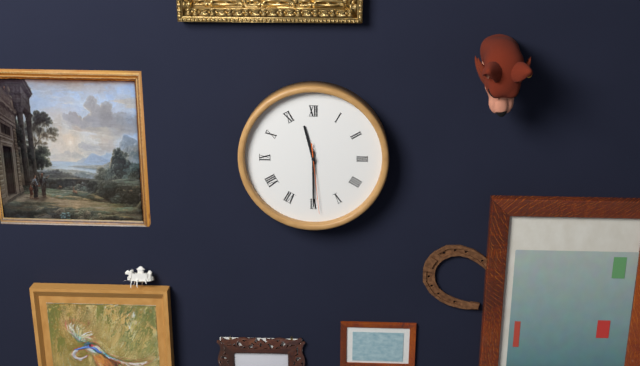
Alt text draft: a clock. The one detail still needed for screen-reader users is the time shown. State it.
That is 11:30:29
